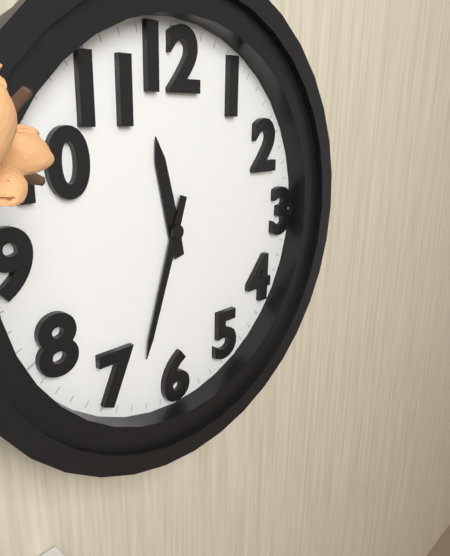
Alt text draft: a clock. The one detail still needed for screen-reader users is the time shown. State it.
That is 11:33
